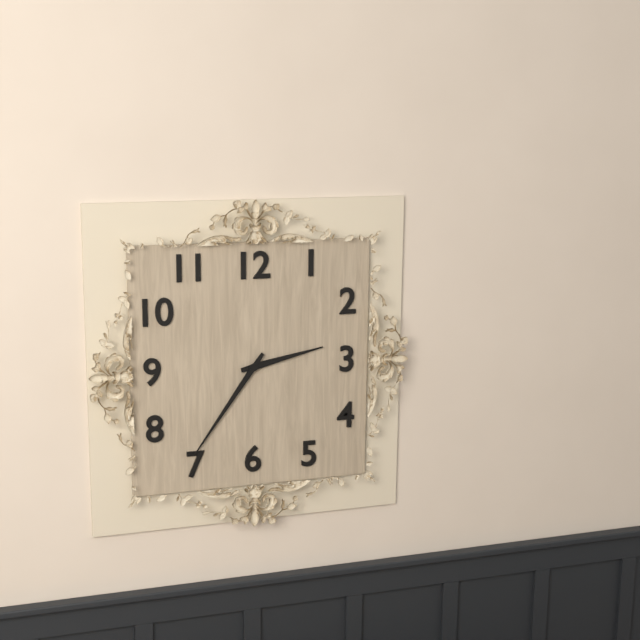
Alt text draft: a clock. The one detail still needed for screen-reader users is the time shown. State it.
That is 2:36
